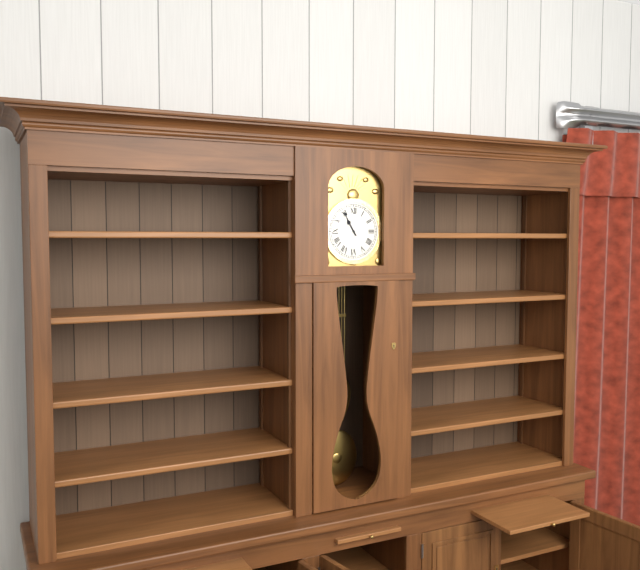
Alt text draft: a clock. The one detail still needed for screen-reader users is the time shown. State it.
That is 10:55
